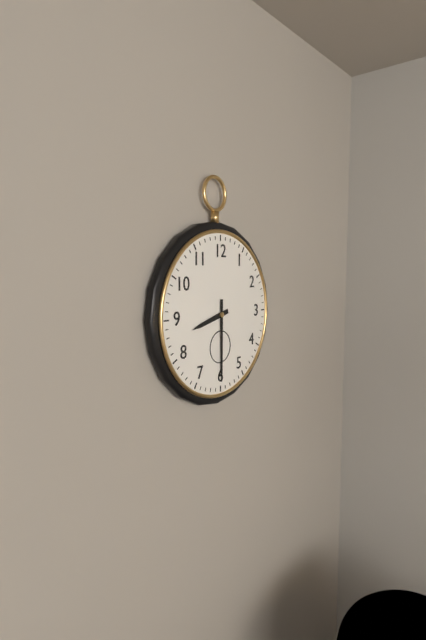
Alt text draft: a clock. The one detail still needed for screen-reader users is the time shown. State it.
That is 8:30
